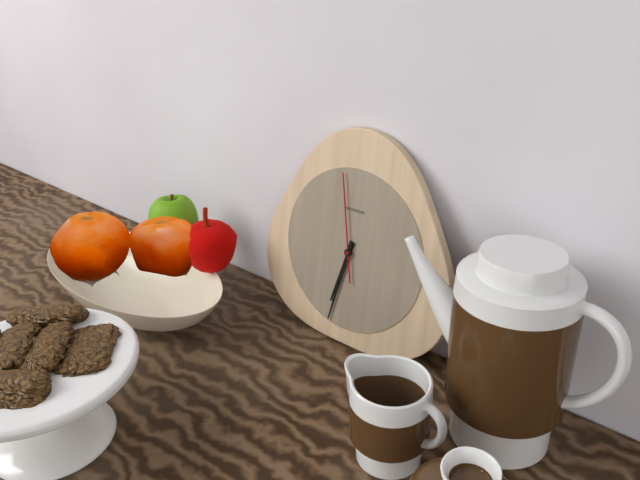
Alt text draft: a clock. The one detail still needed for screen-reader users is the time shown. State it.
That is 6:32:58
